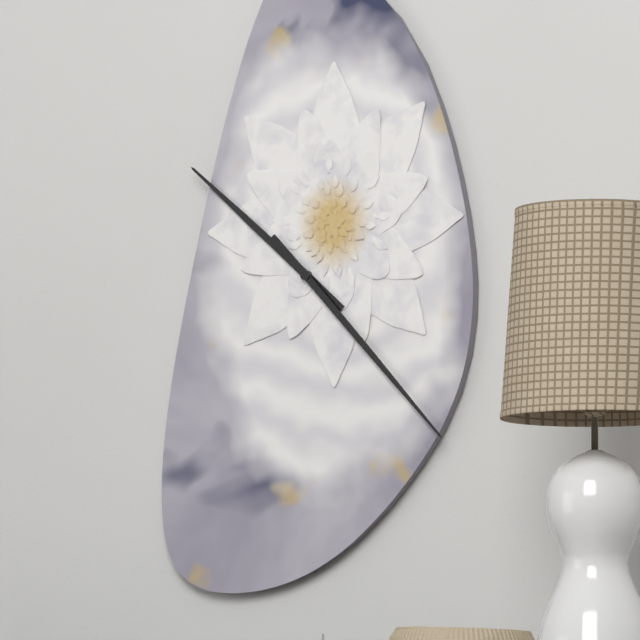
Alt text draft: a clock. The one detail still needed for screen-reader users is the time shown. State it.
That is 10:23
